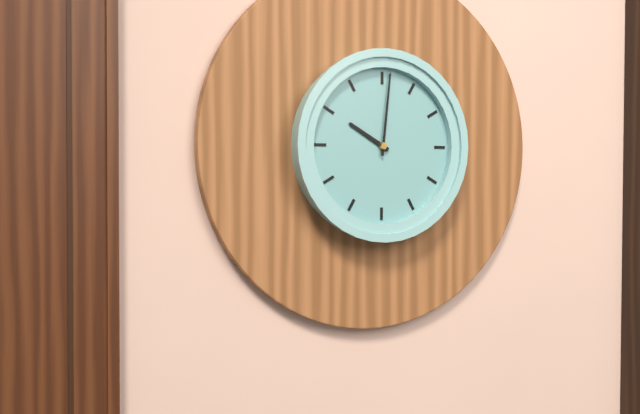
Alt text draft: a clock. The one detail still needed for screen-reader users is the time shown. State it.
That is 10:01
